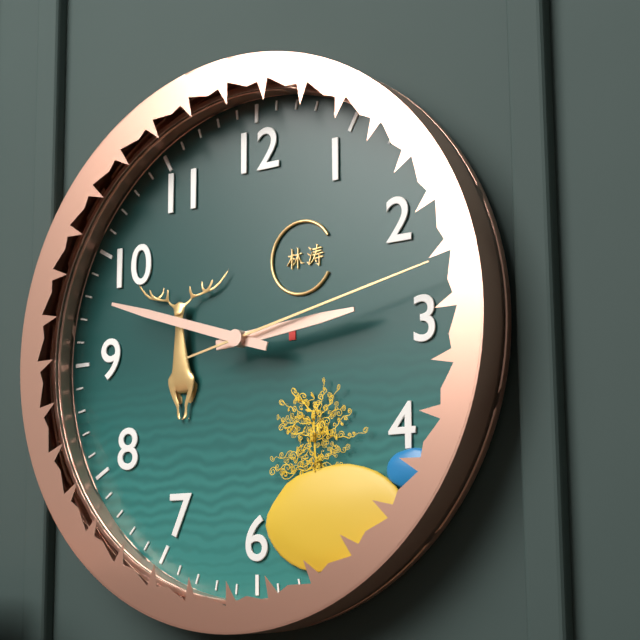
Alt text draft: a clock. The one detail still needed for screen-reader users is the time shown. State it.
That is 2:48:13
